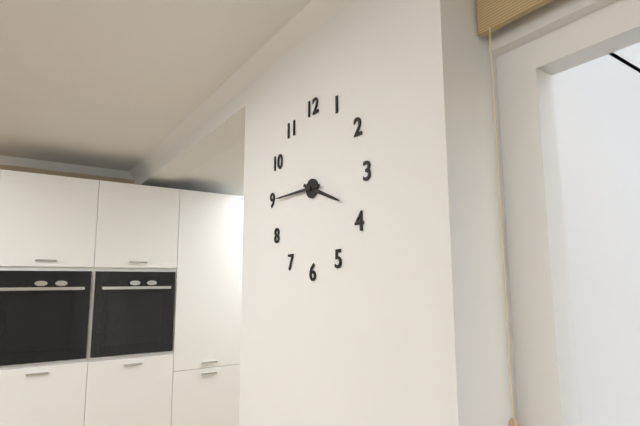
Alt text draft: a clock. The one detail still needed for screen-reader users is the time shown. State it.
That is 3:45
